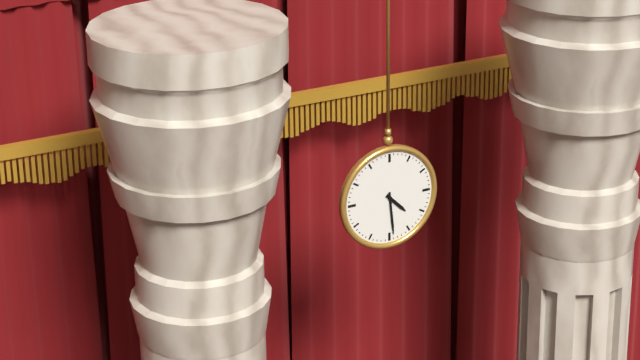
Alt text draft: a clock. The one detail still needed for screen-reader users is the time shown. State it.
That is 4:29
